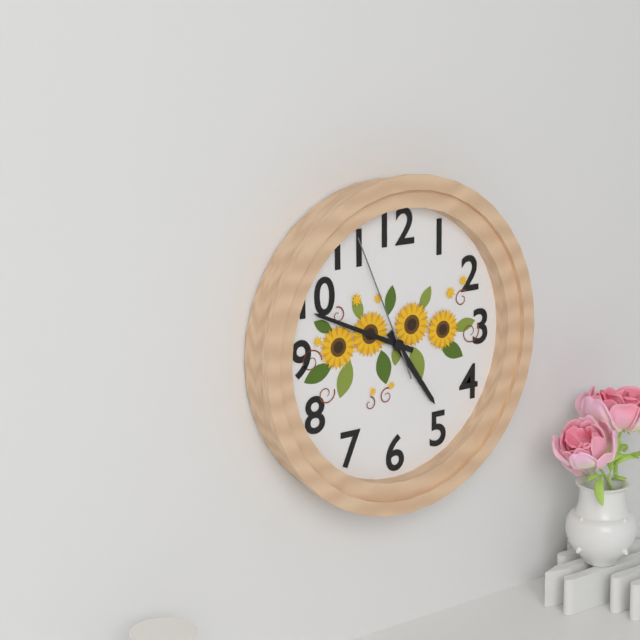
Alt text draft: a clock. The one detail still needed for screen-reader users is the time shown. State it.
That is 4:49:56
